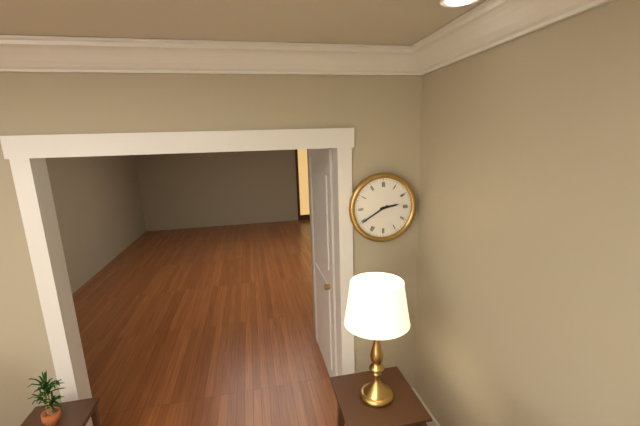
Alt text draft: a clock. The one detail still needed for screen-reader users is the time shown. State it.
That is 2:40
